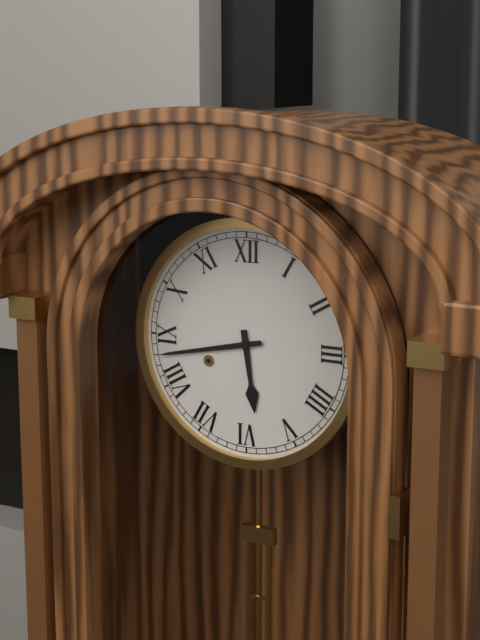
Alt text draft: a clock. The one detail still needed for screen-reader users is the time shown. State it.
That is 5:43
